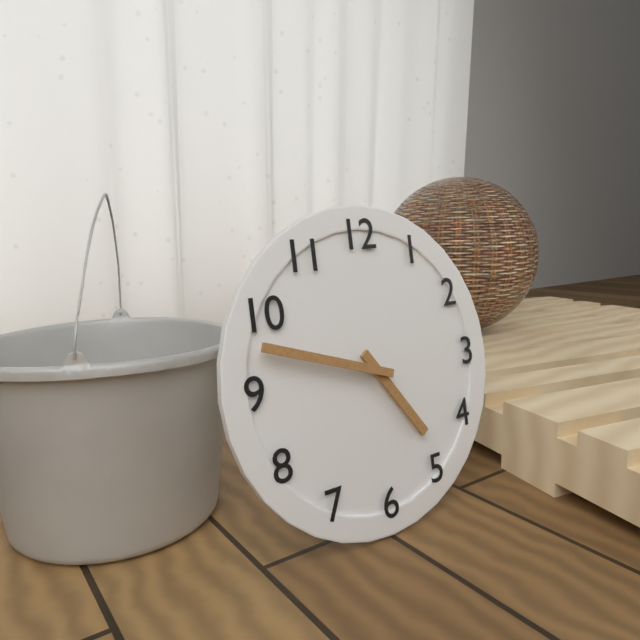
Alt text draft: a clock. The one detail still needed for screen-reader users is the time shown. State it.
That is 4:48
